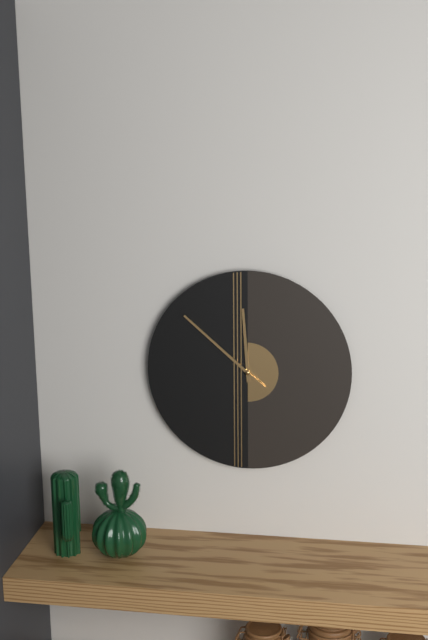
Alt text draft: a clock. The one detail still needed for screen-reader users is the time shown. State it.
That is 11:52
